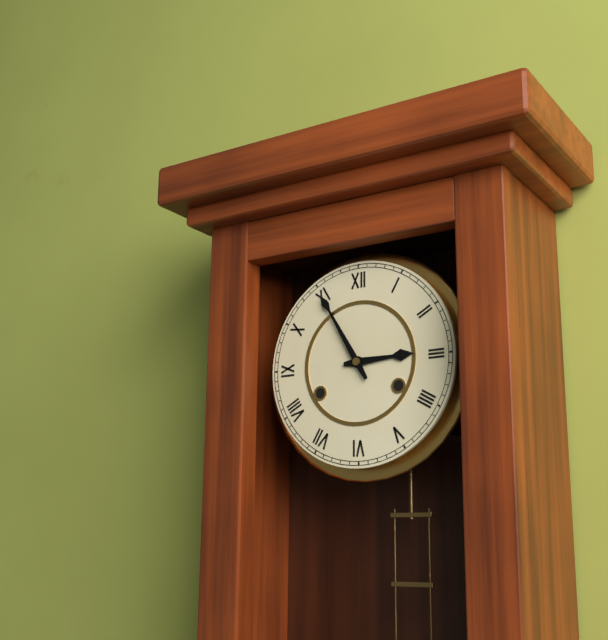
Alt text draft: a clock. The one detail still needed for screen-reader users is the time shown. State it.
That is 2:55
